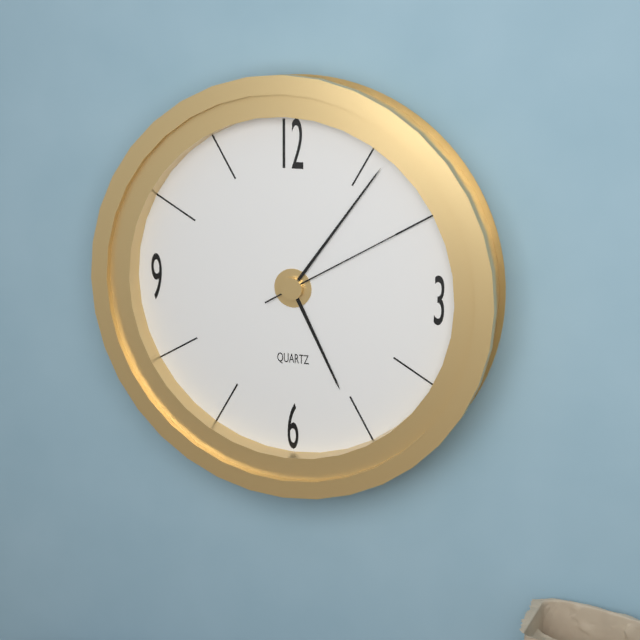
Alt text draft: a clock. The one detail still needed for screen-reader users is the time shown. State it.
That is 5:06:10
